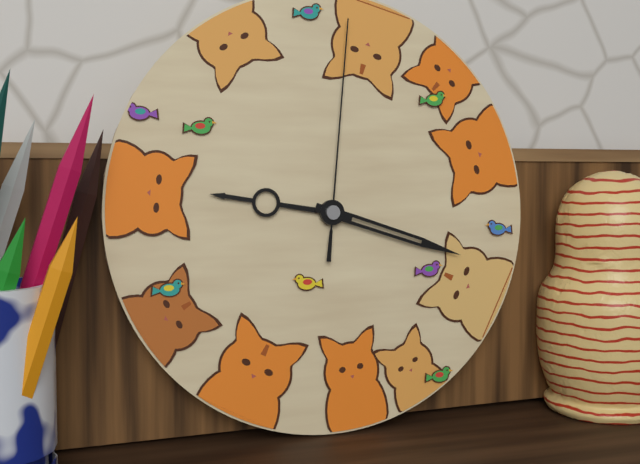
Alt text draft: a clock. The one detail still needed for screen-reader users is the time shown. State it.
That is 9:18:01
